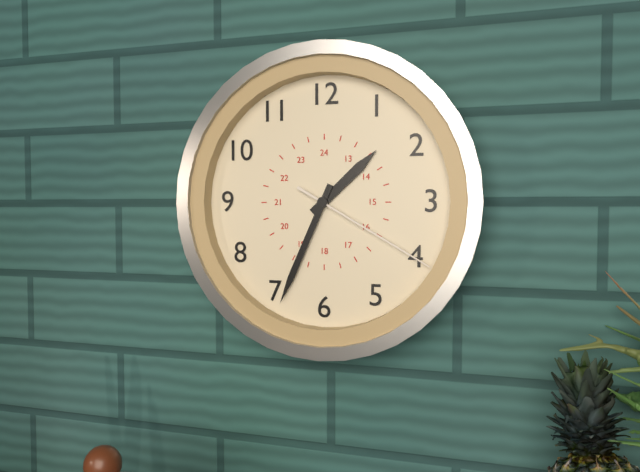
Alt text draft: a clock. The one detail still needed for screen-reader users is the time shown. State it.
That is 1:34:20
